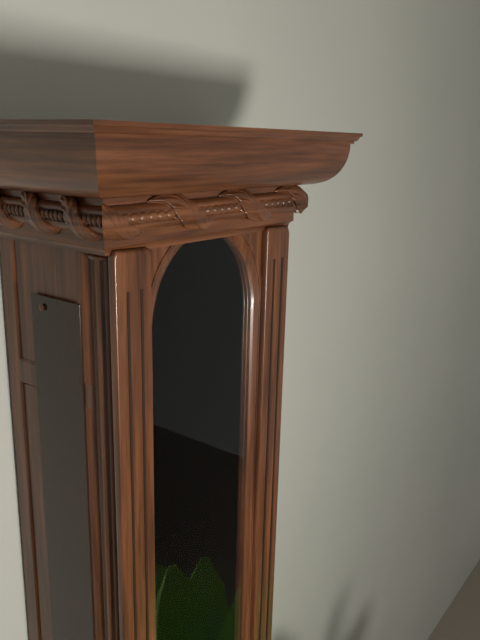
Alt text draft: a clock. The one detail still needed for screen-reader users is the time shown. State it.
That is 11:08
